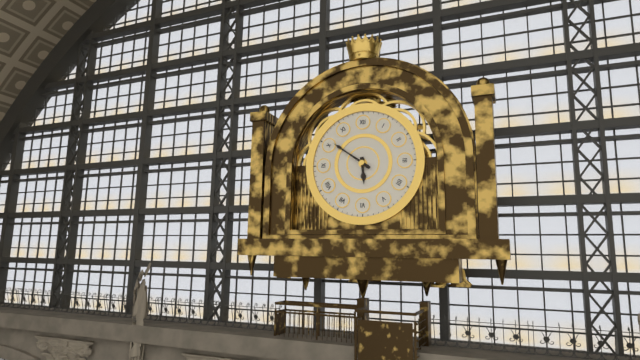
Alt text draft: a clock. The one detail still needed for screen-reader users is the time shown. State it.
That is 5:51
